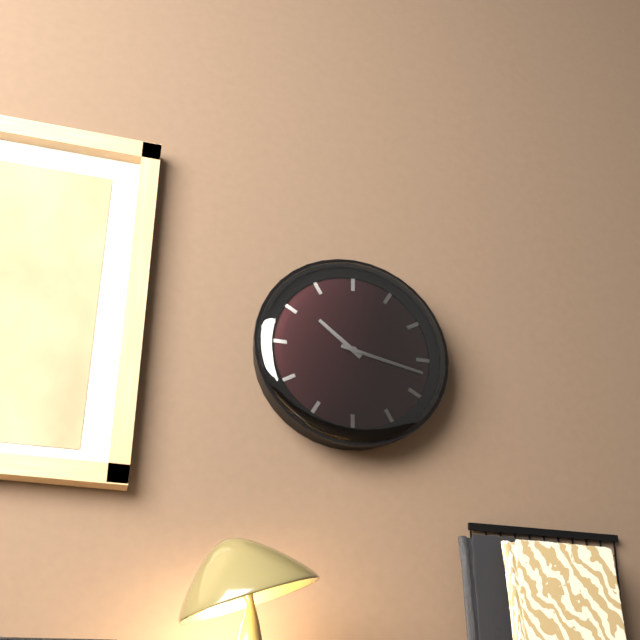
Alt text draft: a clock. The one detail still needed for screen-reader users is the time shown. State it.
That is 10:17
